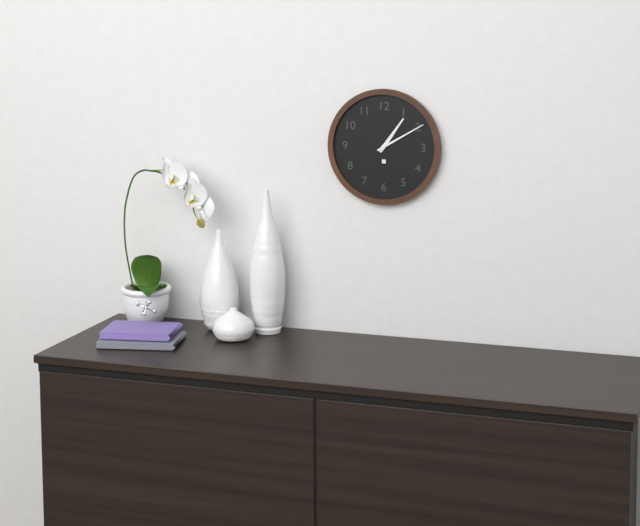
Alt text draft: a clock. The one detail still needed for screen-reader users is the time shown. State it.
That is 1:10
